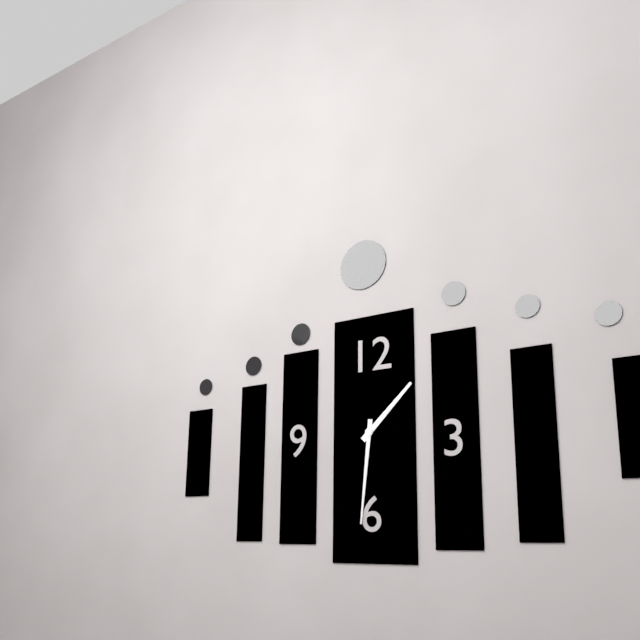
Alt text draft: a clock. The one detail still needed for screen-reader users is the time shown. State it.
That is 1:31
